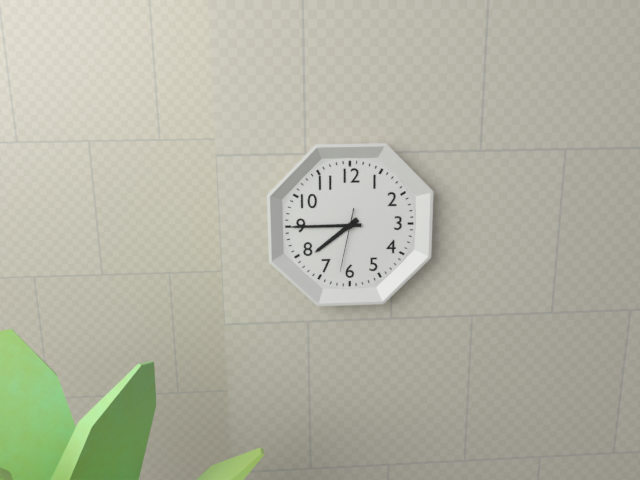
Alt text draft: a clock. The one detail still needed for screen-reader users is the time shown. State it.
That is 7:45:32
